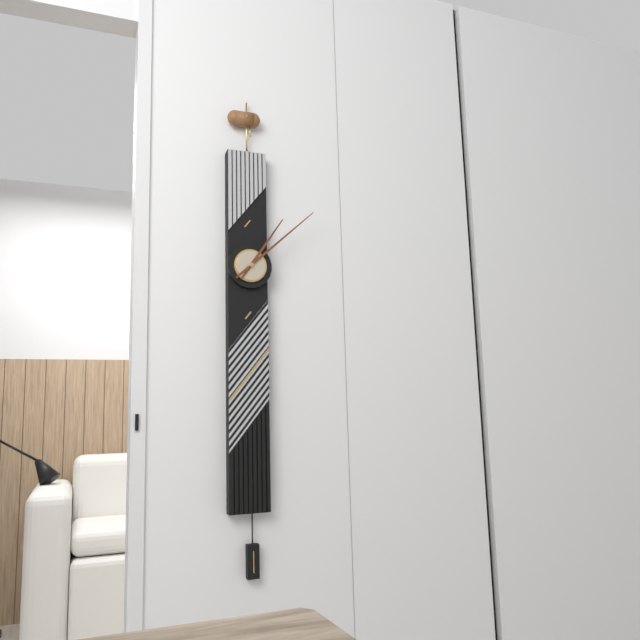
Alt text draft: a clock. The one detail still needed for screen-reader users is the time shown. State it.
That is 1:08
